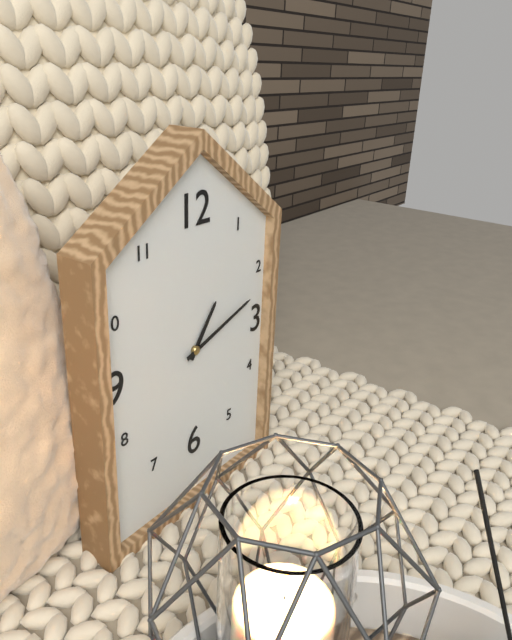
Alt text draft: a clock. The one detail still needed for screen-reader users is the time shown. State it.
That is 1:12
